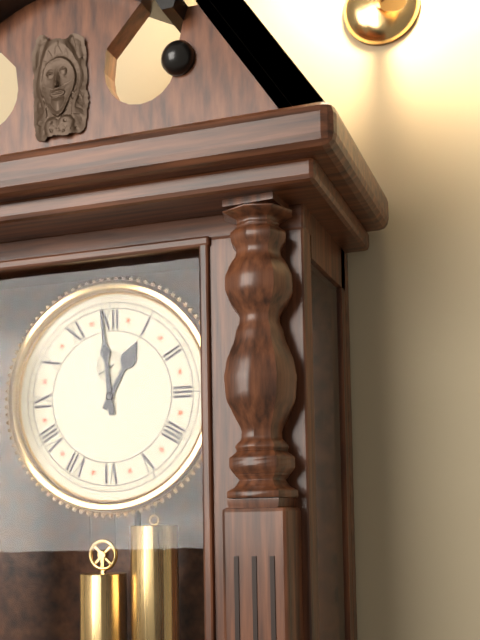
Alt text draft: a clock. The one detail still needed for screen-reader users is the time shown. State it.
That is 12:59
